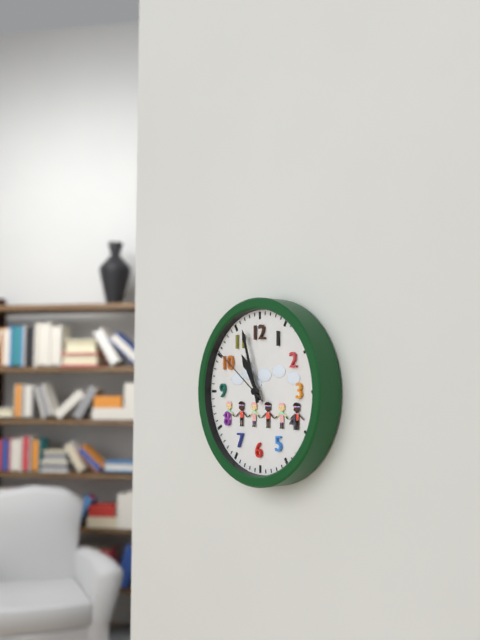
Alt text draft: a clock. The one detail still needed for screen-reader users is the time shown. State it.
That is 10:57:51
